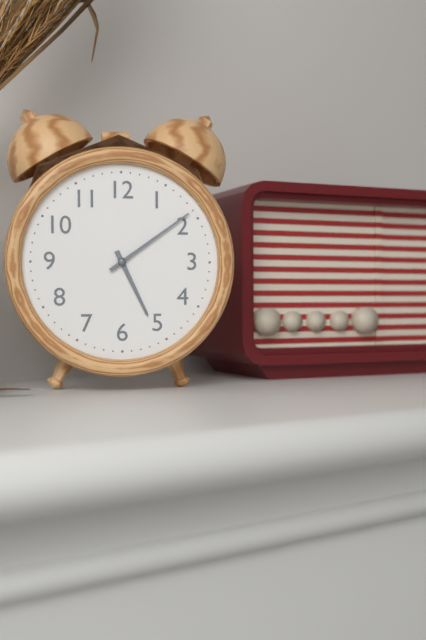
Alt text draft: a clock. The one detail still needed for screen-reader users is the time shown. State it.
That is 5:09
